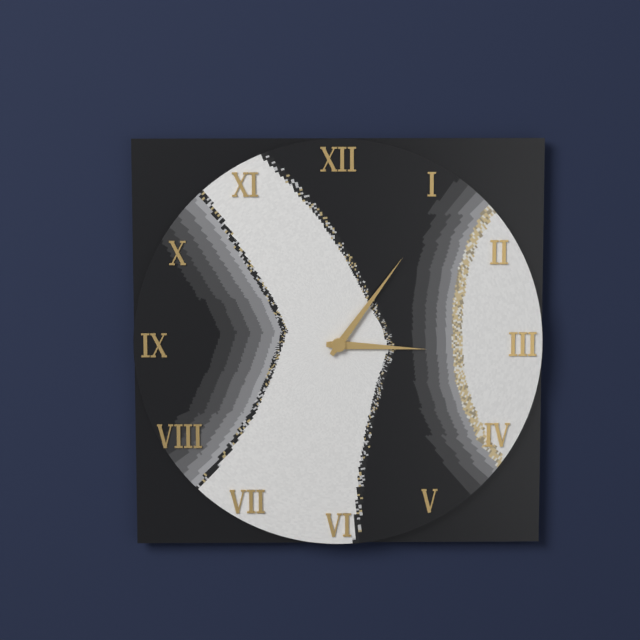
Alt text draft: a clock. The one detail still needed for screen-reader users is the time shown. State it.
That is 3:06
